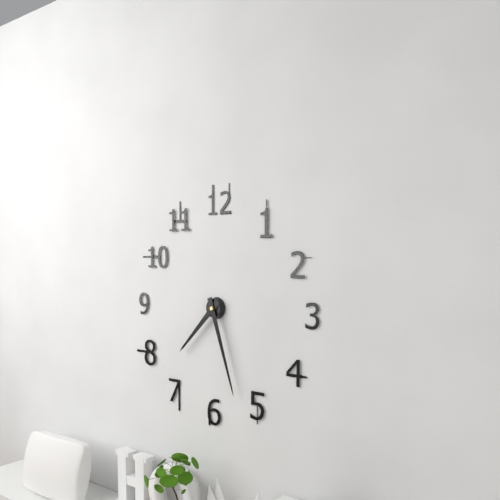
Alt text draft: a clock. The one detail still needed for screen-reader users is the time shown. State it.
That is 7:27
